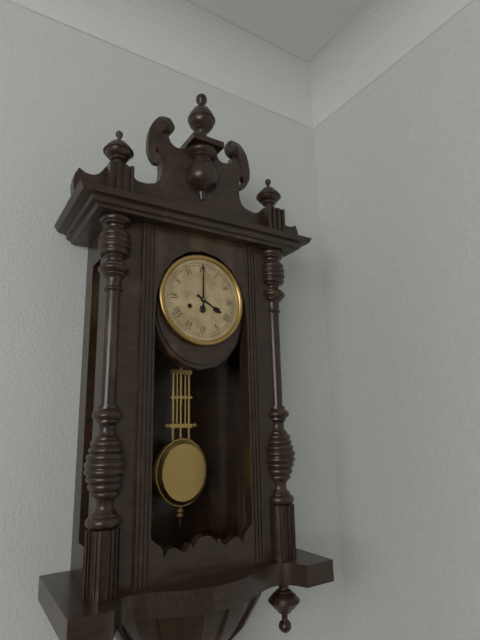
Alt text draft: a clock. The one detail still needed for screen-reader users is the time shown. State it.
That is 4:00
